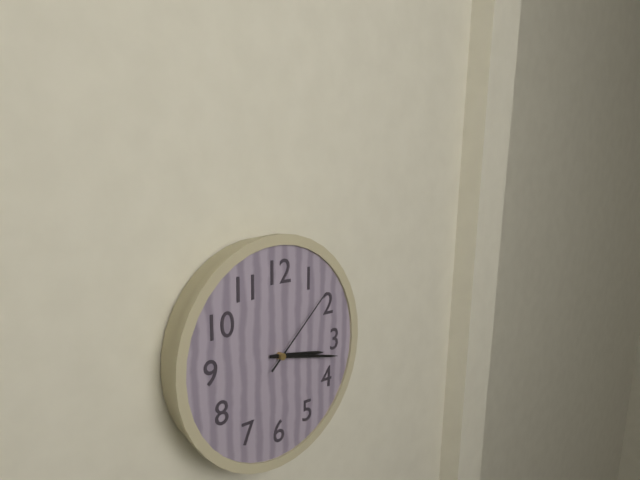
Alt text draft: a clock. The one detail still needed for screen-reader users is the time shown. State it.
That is 3:17:08
